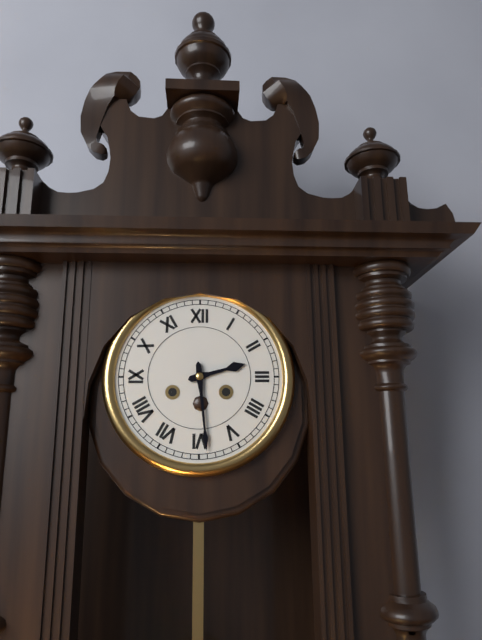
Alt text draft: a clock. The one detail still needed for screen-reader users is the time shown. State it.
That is 2:29
